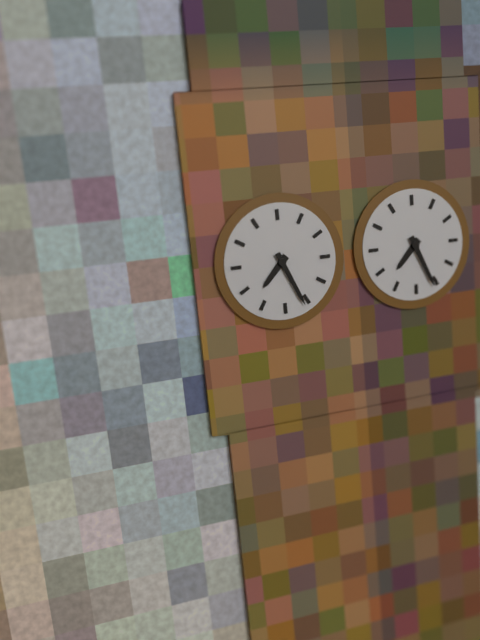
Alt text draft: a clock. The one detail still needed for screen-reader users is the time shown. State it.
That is 7:26
